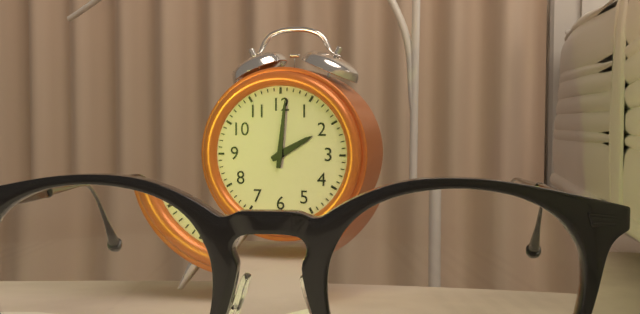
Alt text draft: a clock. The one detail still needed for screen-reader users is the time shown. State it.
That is 2:01
